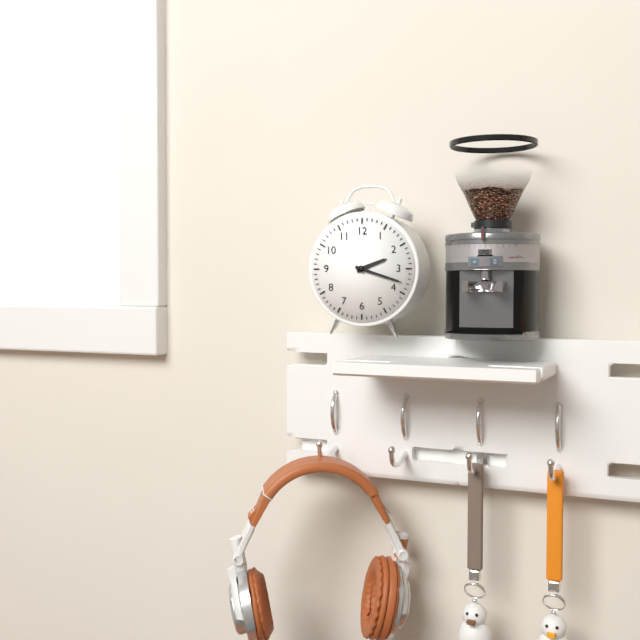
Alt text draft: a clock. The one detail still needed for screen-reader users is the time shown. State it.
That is 2:18
